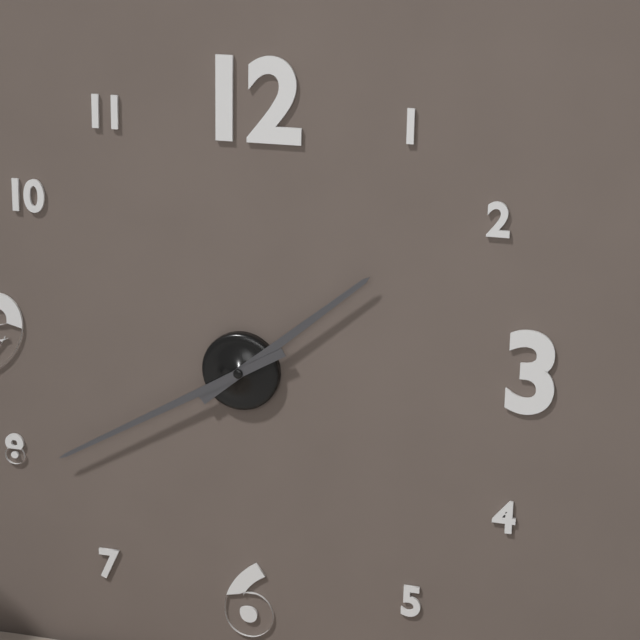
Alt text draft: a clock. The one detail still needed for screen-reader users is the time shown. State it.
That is 1:40
